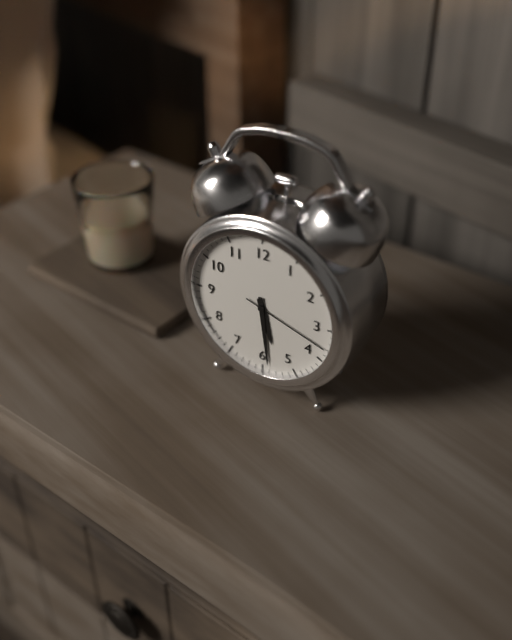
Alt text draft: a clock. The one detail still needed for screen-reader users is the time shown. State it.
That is 5:29:18
